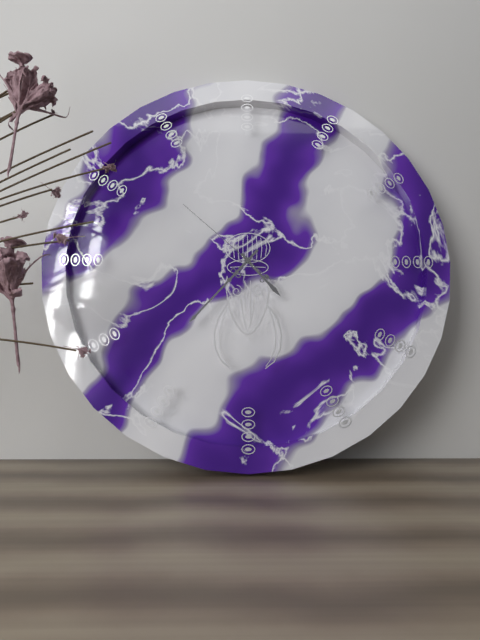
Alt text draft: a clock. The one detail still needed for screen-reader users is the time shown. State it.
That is 4:37:52
